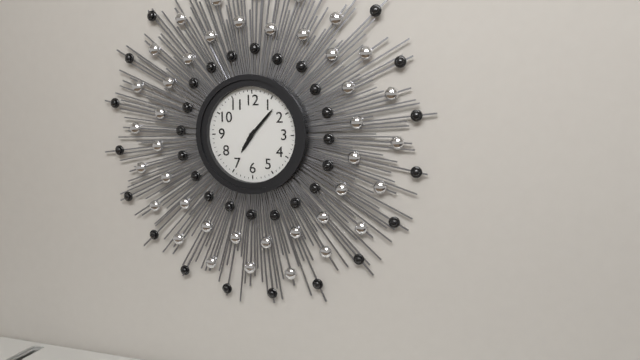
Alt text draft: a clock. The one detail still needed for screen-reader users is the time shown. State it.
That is 7:07
